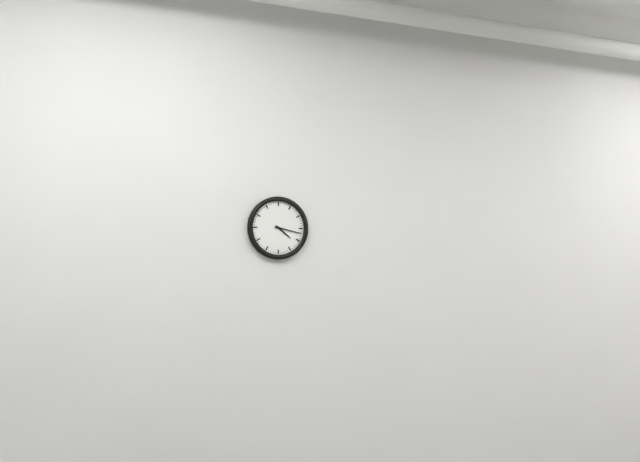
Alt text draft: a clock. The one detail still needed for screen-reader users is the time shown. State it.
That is 4:17
